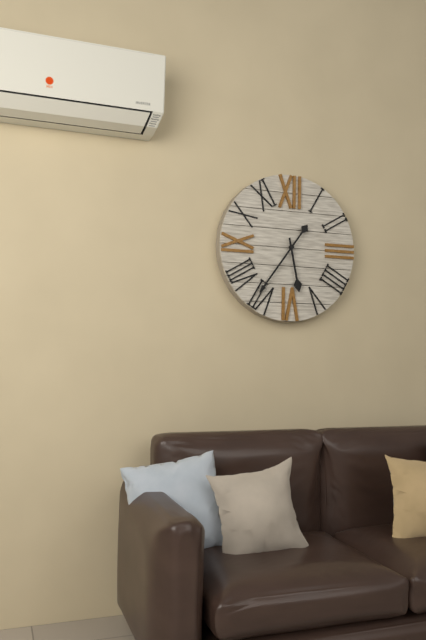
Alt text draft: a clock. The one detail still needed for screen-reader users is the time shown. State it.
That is 5:36
